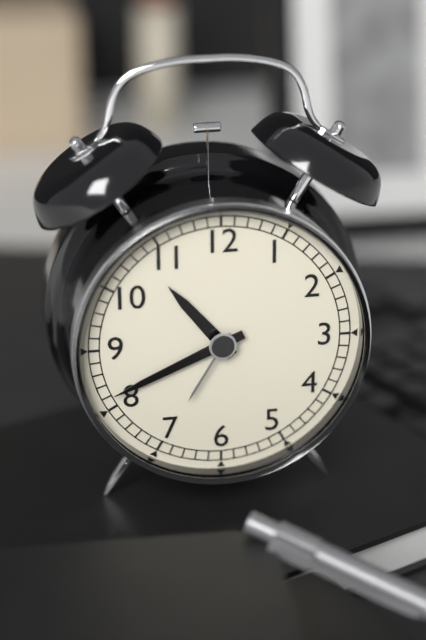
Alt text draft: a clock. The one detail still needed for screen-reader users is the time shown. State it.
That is 10:41
